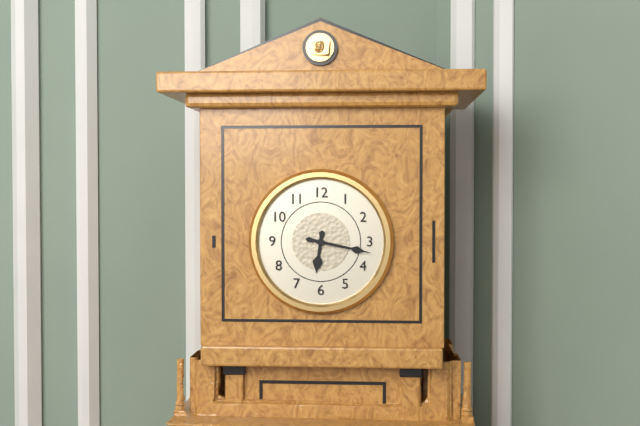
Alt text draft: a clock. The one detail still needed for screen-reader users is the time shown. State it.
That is 6:17
